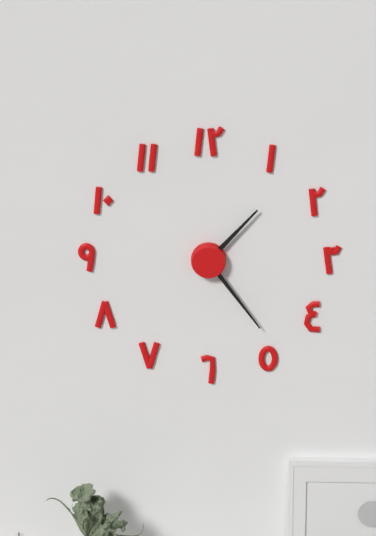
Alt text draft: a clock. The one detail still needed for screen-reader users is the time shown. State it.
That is 1:24
